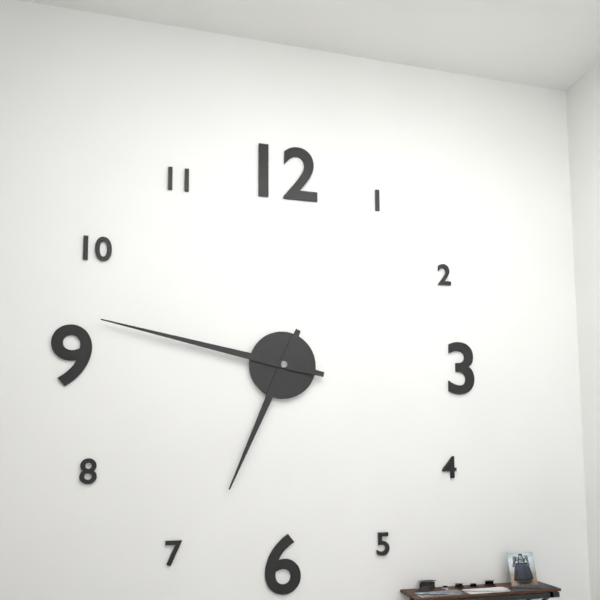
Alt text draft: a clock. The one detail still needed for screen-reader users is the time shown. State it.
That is 6:47
